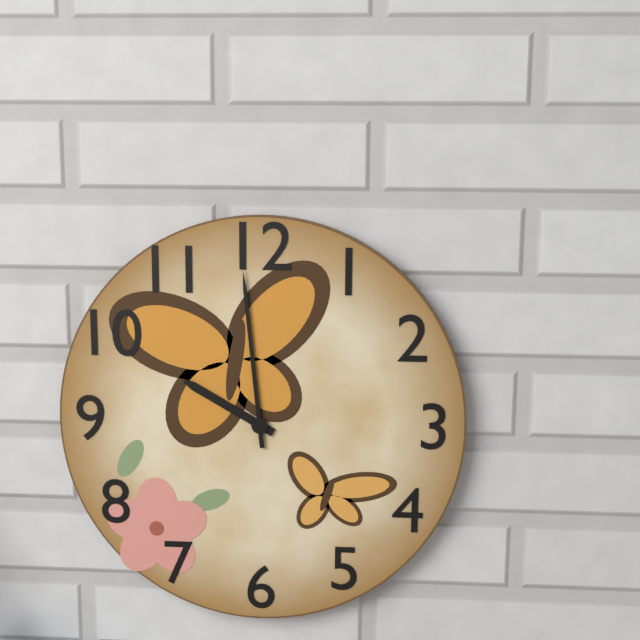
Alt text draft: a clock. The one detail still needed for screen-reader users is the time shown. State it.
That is 9:59
